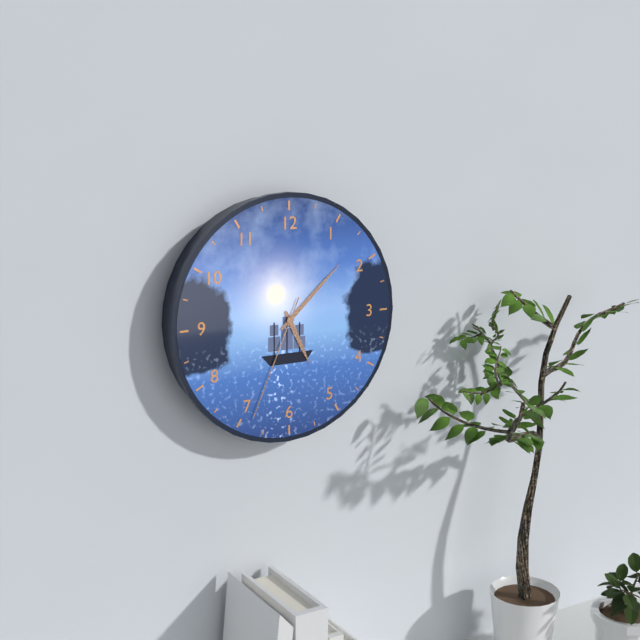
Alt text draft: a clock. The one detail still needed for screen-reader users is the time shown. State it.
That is 5:08:34
